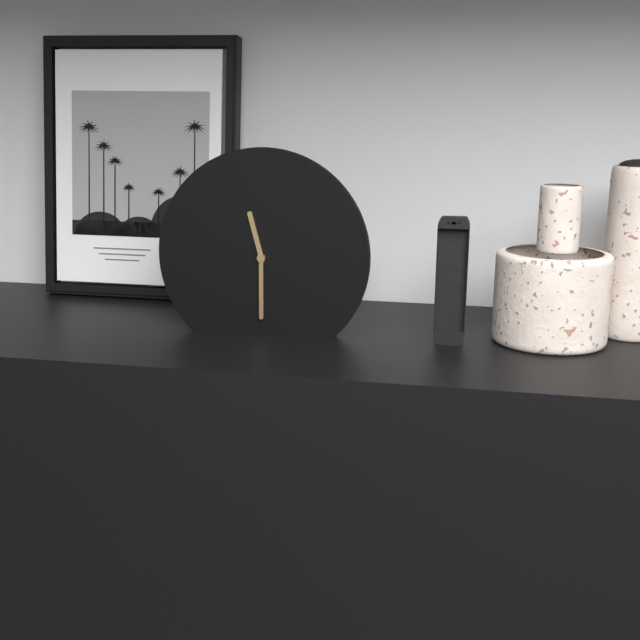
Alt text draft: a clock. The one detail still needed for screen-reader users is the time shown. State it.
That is 11:30
